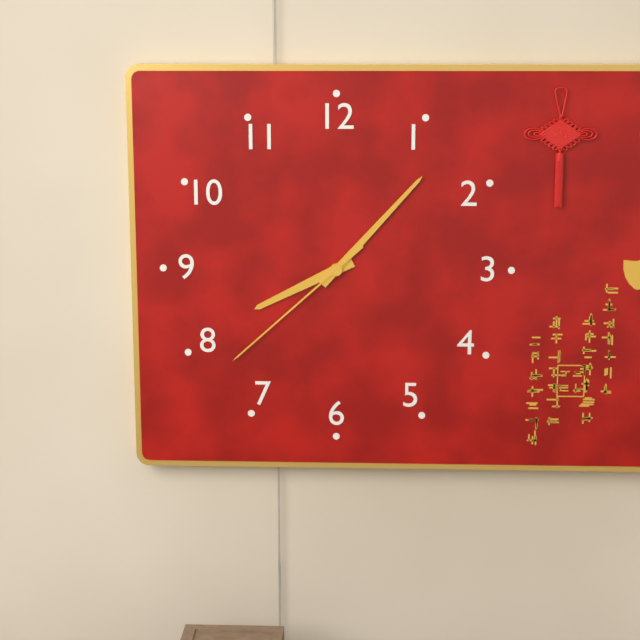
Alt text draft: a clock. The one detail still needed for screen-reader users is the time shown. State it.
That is 8:07:38
